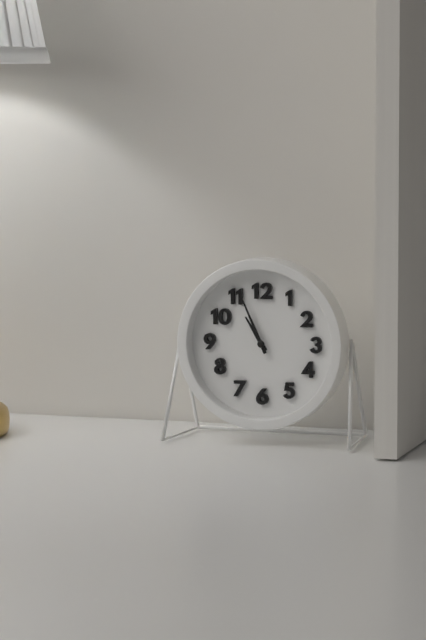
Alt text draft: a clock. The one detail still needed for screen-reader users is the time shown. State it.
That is 10:56
